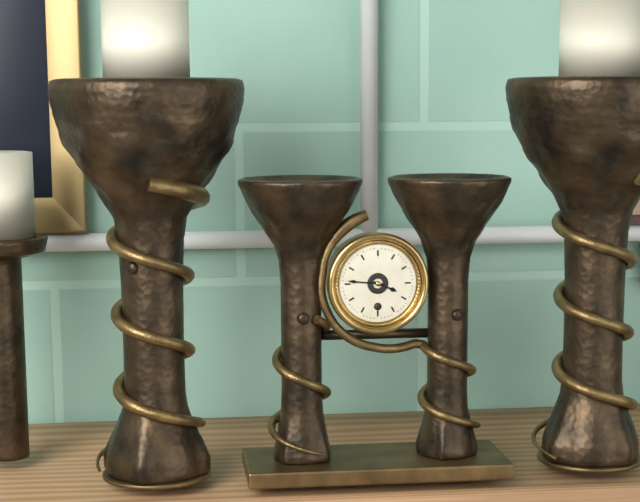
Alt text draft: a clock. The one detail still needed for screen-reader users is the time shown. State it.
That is 3:46
